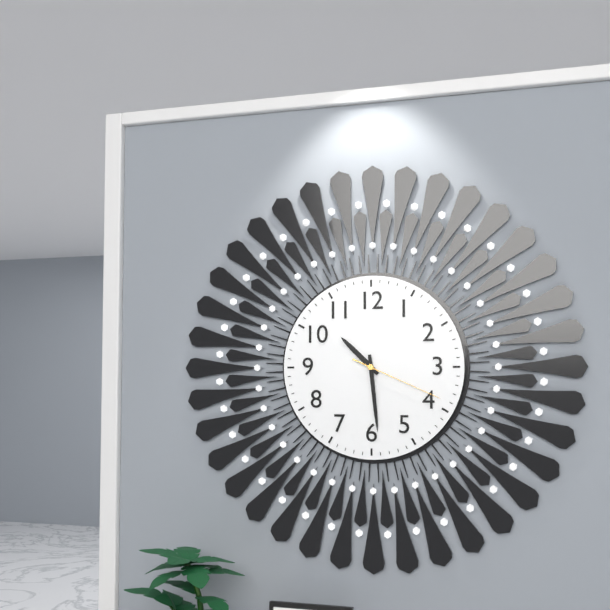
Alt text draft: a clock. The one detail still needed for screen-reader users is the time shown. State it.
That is 10:29:19
